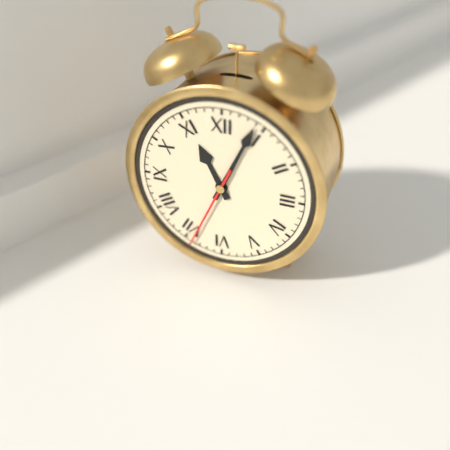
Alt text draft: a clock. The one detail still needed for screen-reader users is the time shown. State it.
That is 11:04:34
